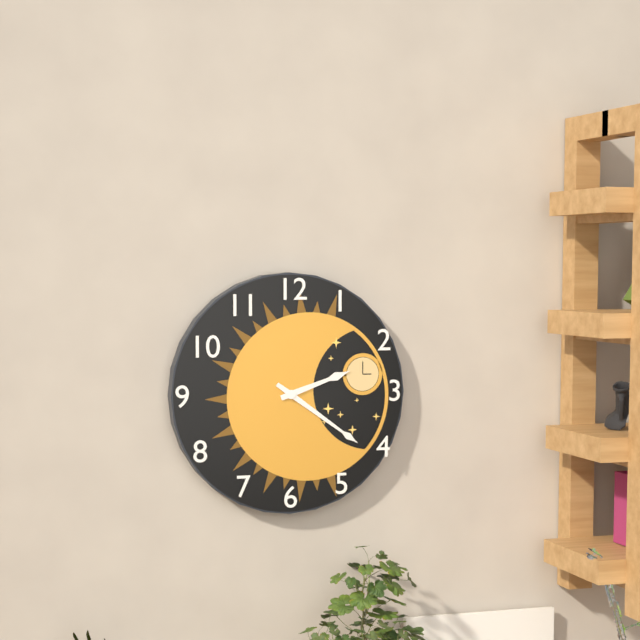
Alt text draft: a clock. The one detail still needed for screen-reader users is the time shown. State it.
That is 2:21
